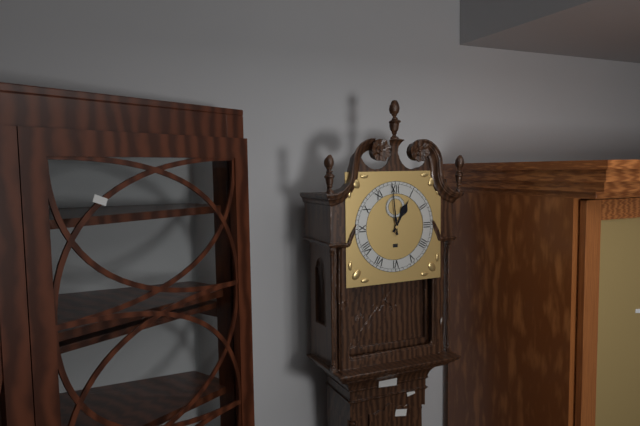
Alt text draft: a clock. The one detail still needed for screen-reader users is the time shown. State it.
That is 12:59
